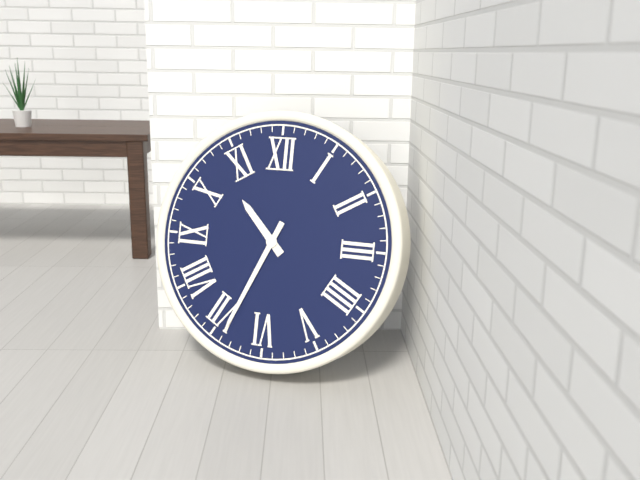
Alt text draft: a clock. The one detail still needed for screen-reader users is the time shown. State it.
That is 10:34
